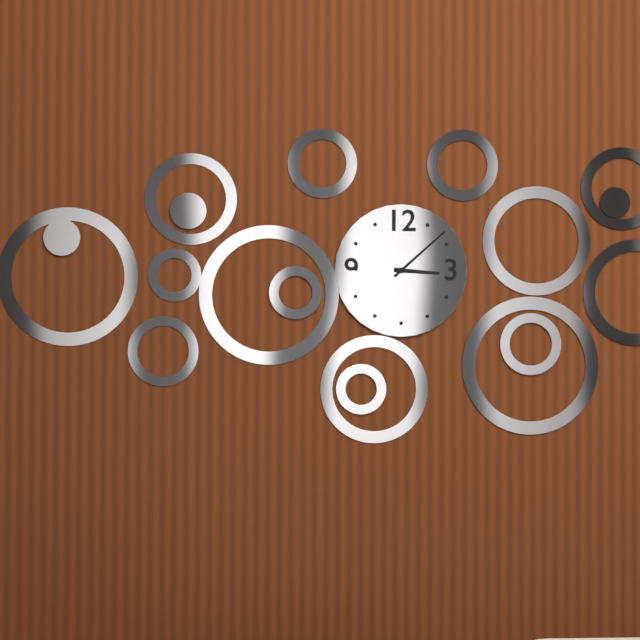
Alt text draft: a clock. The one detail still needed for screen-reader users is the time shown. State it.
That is 3:08
